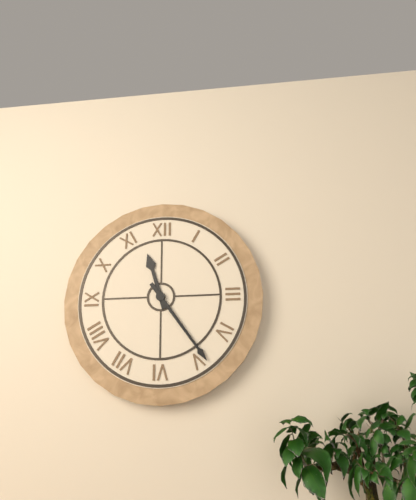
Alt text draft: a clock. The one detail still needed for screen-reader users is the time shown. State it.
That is 11:24
